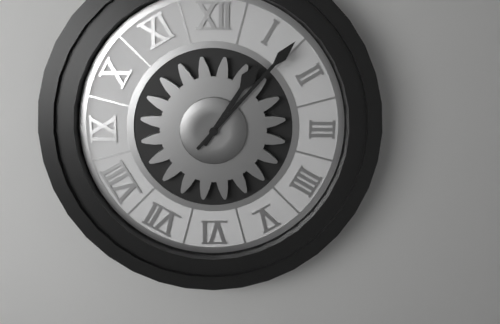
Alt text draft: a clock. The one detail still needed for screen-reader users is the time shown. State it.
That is 1:07
